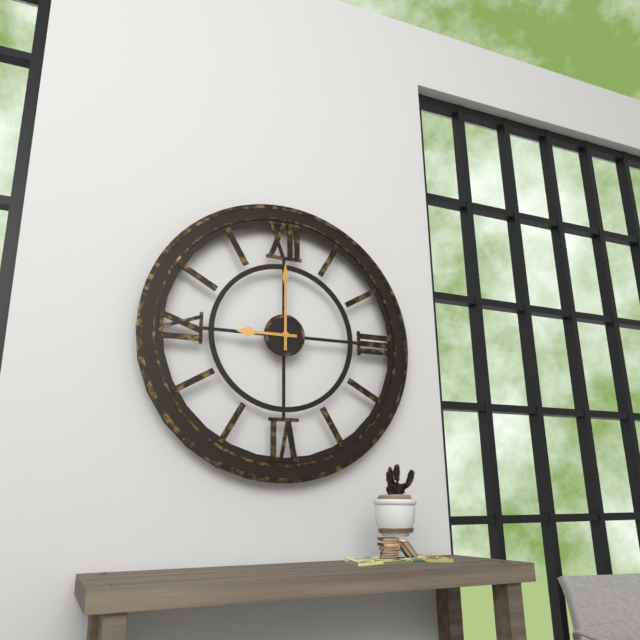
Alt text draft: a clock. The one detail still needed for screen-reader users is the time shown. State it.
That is 9:00
